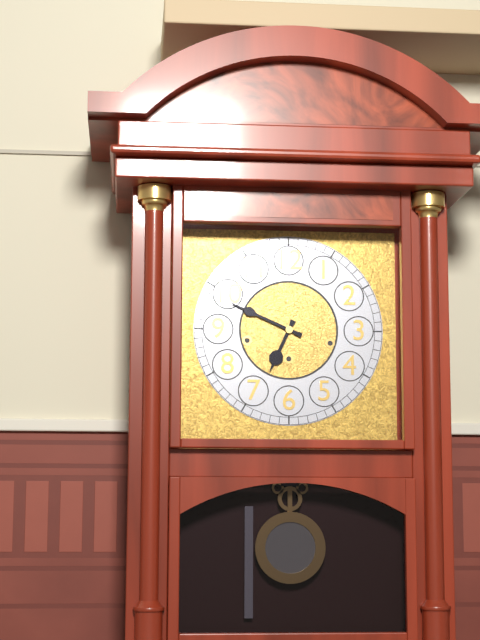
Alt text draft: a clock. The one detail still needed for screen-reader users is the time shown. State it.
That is 6:49
